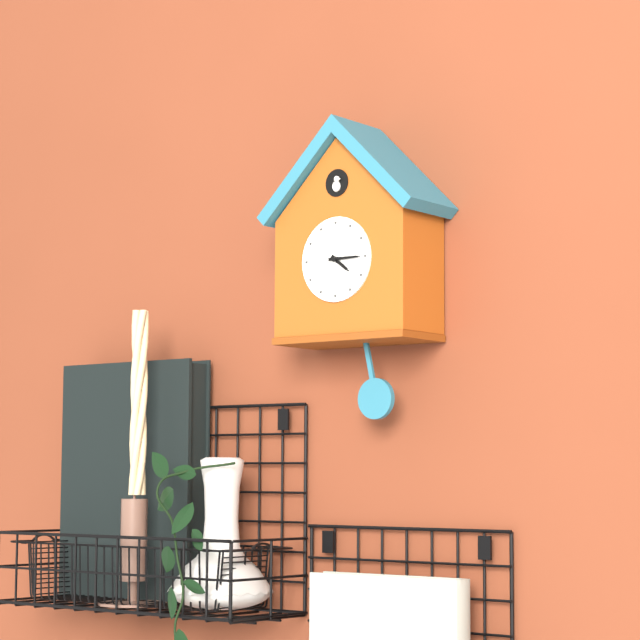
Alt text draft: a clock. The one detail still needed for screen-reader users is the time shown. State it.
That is 4:15
